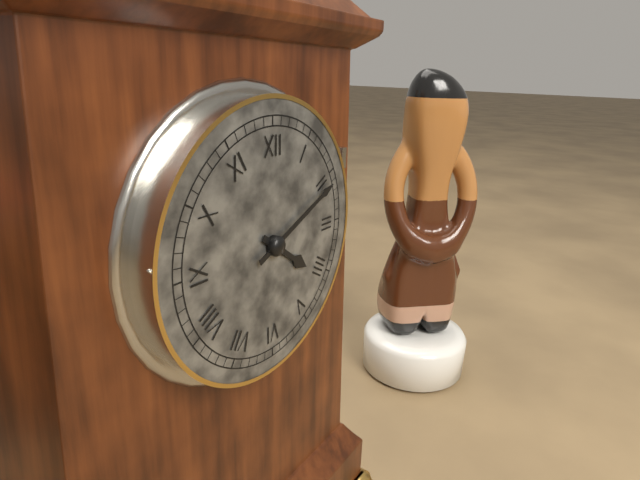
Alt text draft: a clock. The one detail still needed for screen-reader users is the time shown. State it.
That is 4:11
